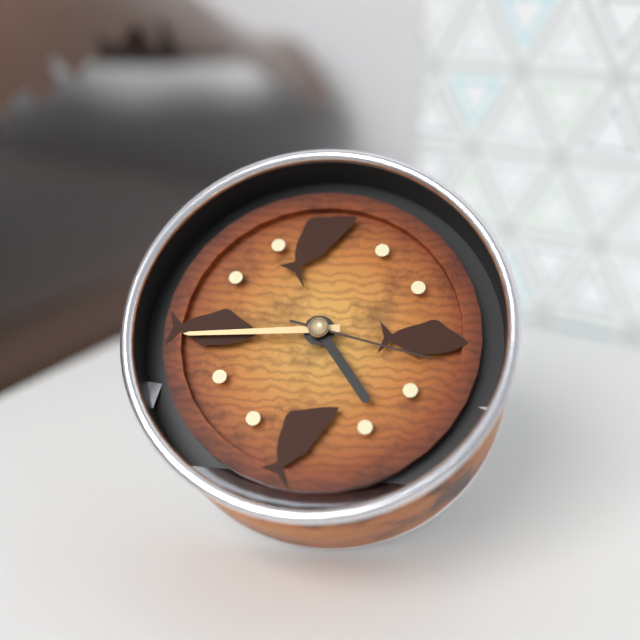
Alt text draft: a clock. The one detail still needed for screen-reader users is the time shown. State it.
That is 4:44:17
